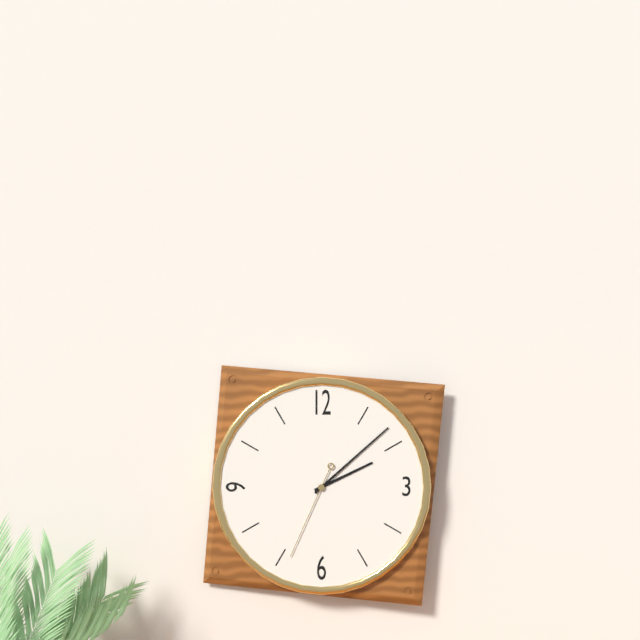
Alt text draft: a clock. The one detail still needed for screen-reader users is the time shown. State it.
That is 2:08:34
